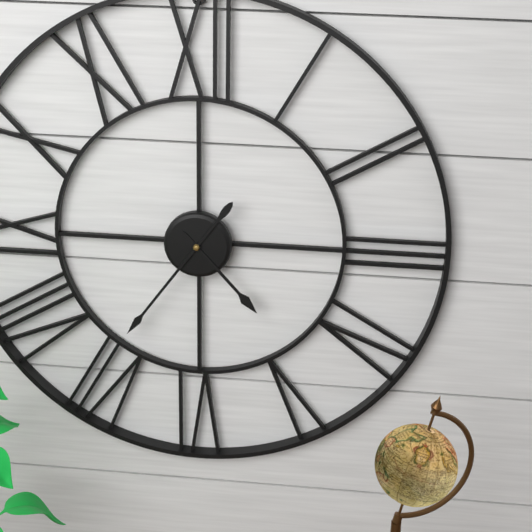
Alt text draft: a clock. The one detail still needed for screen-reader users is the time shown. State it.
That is 4:36
